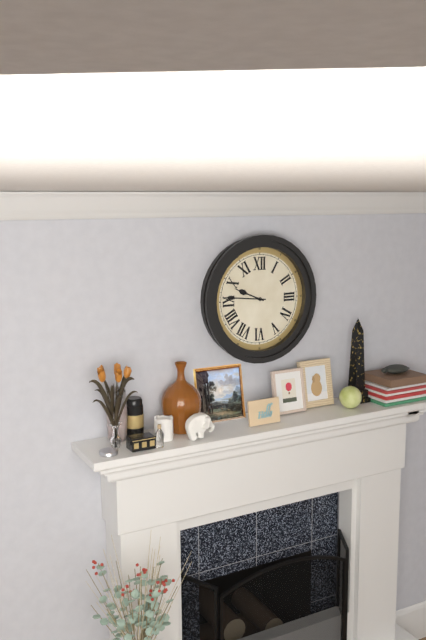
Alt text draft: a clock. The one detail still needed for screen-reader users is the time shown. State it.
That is 9:46
